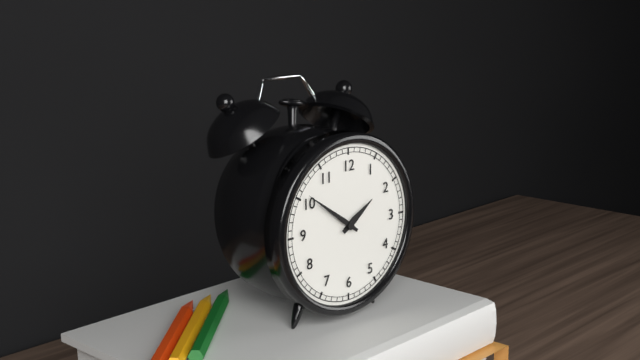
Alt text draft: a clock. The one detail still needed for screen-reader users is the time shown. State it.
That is 1:51
